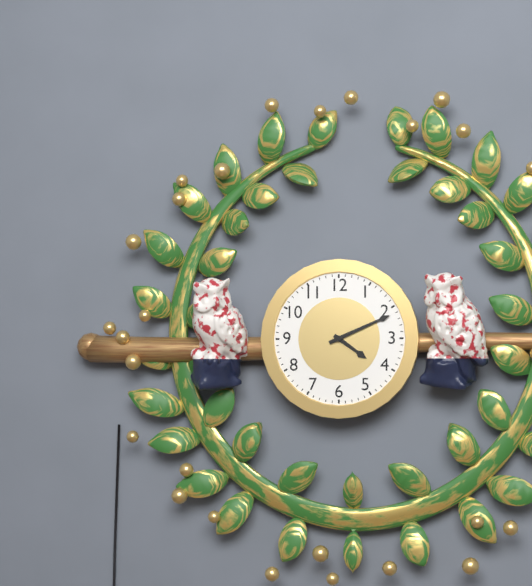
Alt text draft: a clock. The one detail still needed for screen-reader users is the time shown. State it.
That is 4:11
